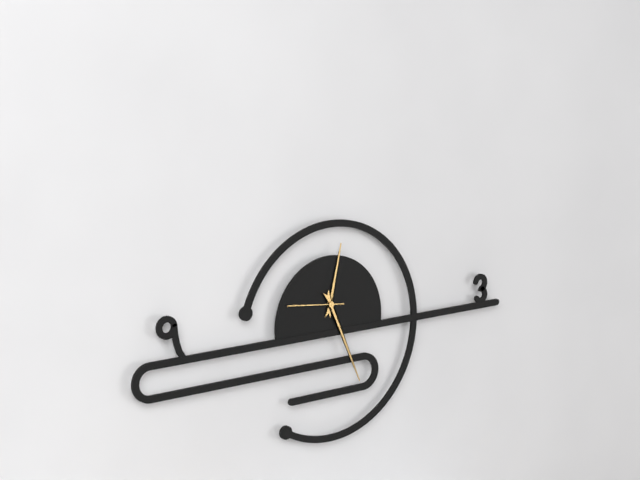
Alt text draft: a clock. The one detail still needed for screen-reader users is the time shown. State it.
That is 12:26:46
